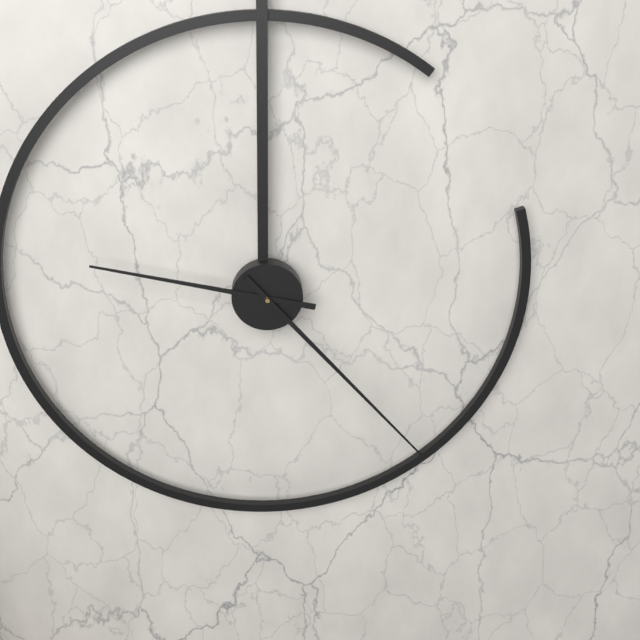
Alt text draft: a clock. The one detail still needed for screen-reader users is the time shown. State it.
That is 9:23
